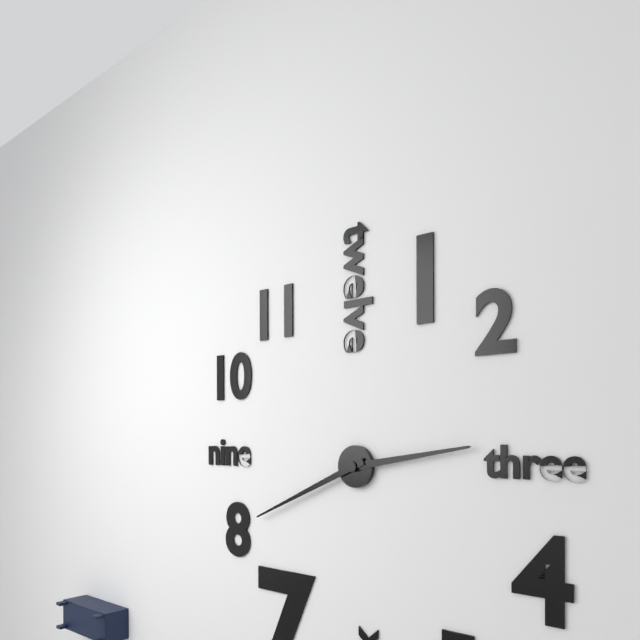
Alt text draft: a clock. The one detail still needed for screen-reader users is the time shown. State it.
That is 2:41
